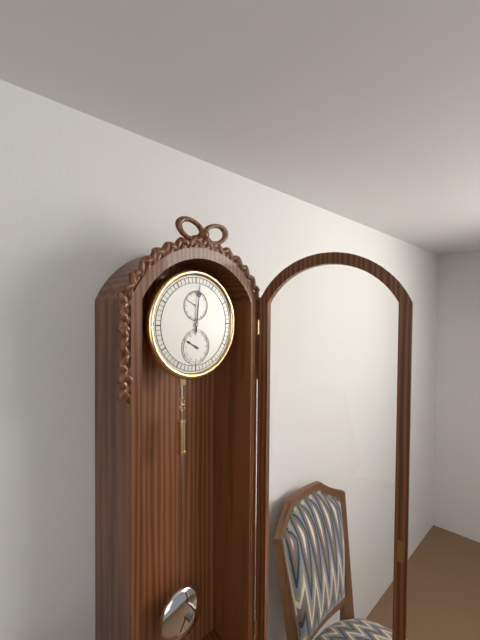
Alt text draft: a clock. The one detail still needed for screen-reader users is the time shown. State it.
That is 10:01
